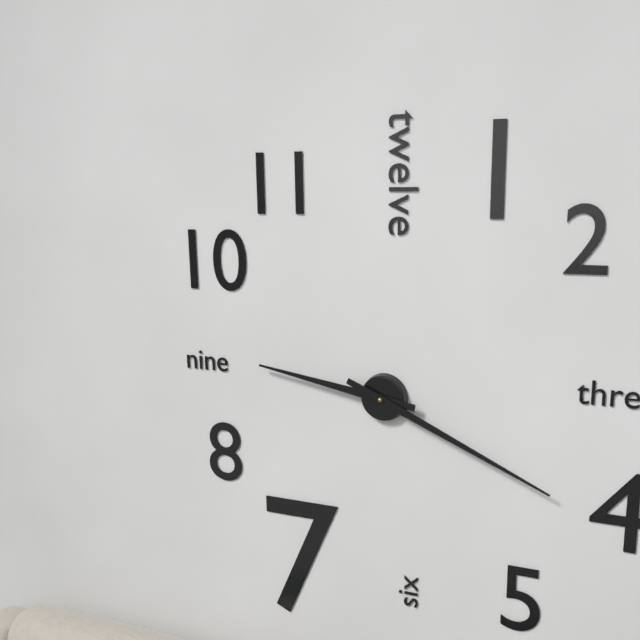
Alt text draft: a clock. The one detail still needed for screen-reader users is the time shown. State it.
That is 9:19
